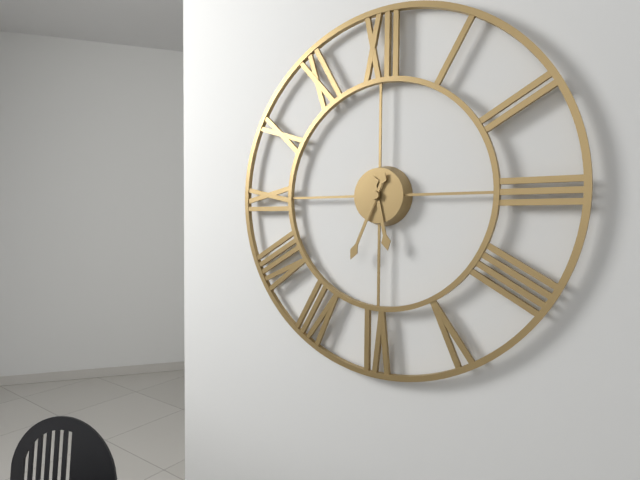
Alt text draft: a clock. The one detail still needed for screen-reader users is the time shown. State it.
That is 5:34
